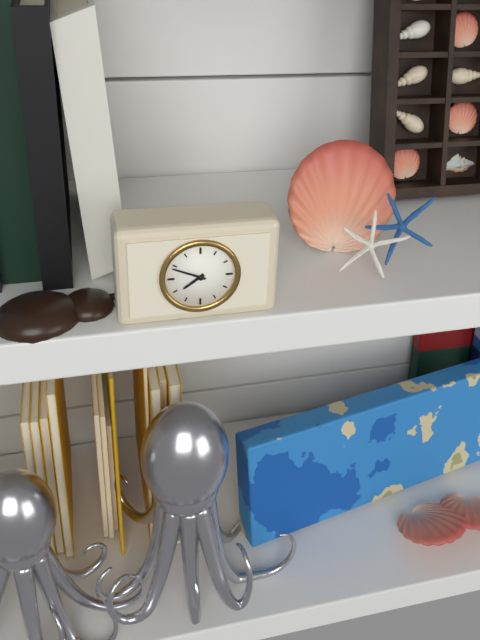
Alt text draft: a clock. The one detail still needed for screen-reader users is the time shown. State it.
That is 7:49
